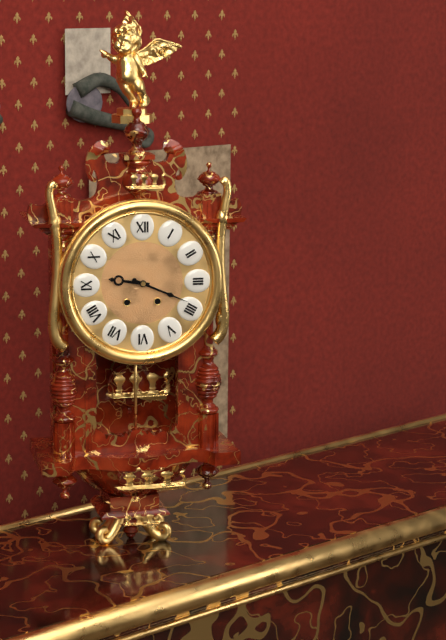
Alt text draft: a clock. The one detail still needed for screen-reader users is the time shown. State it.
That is 9:19
